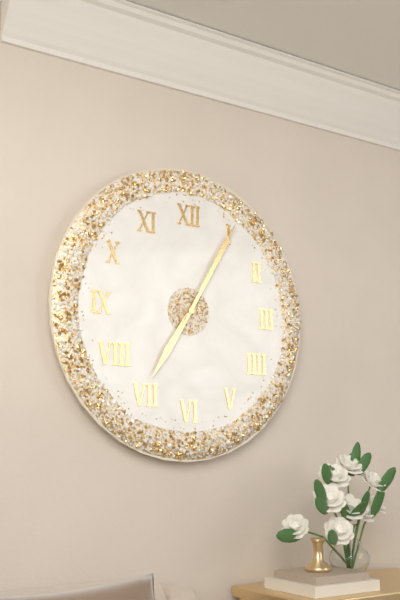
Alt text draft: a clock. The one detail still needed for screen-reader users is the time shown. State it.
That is 7:05
